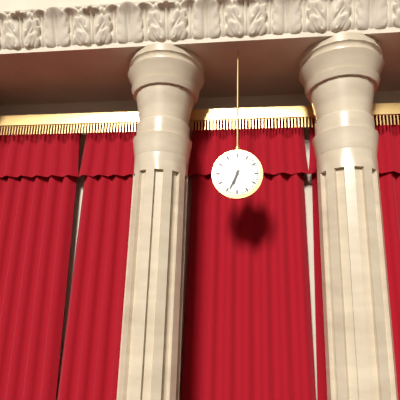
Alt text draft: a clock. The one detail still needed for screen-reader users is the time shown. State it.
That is 6:34
